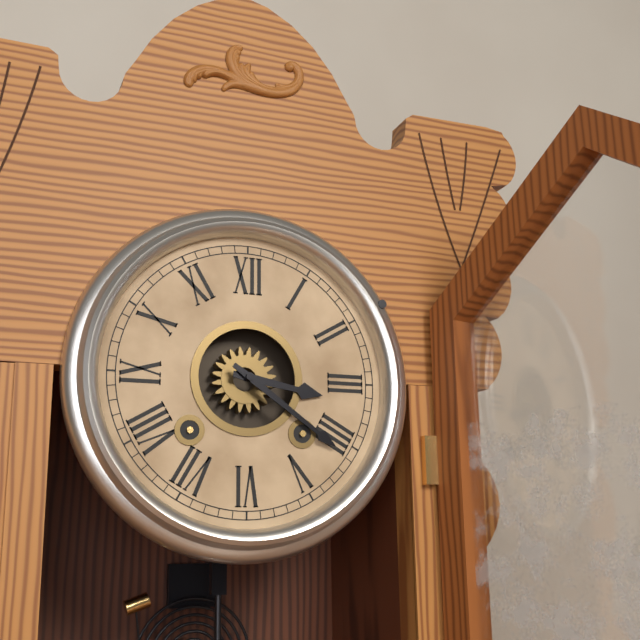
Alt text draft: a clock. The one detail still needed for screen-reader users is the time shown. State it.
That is 3:21
